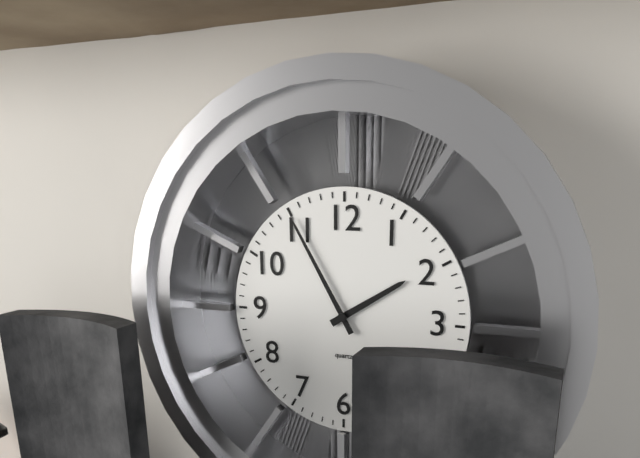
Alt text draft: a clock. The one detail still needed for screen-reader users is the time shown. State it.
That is 1:55
